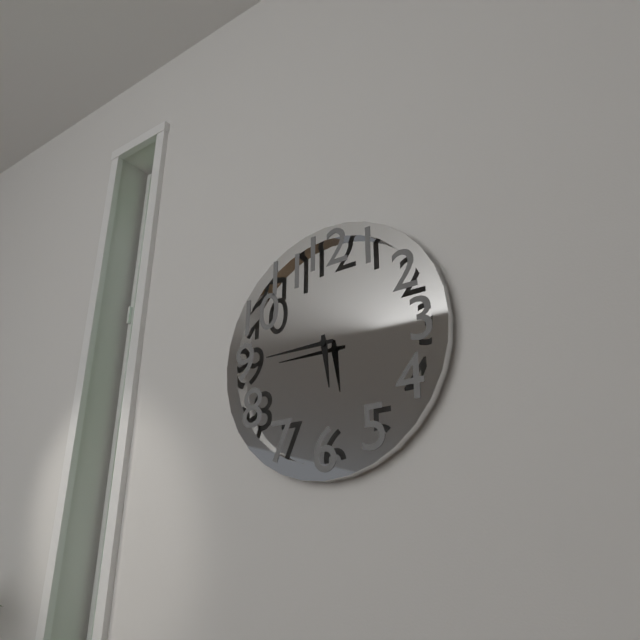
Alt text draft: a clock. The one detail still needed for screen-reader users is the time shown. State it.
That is 5:45
